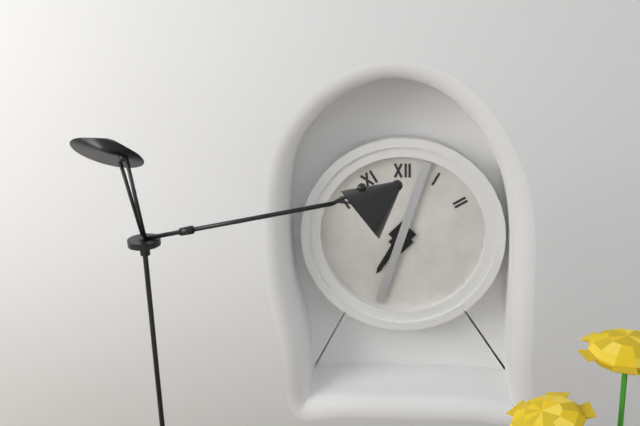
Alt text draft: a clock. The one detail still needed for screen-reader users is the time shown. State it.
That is 7:03
